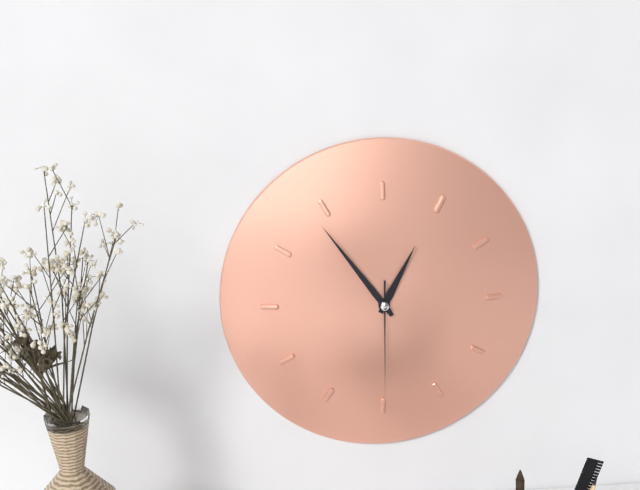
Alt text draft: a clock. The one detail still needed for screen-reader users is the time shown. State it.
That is 12:54:30
